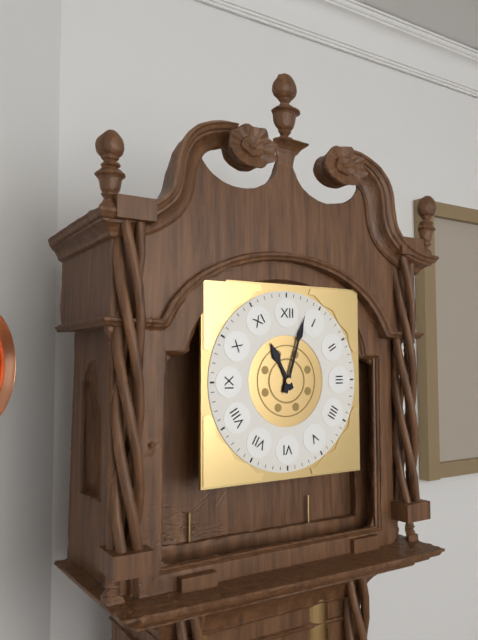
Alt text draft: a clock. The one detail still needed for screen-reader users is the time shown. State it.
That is 11:03
